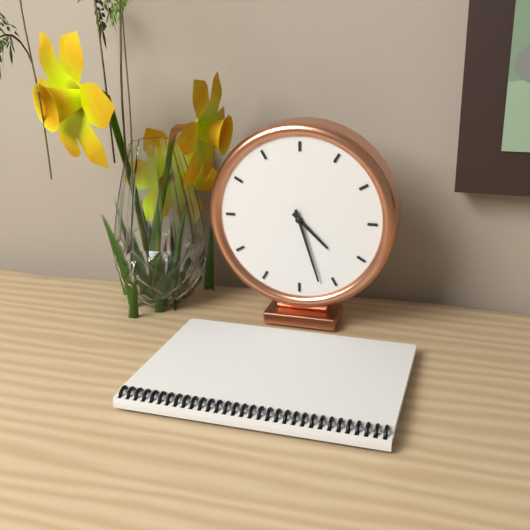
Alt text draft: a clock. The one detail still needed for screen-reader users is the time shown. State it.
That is 4:27
